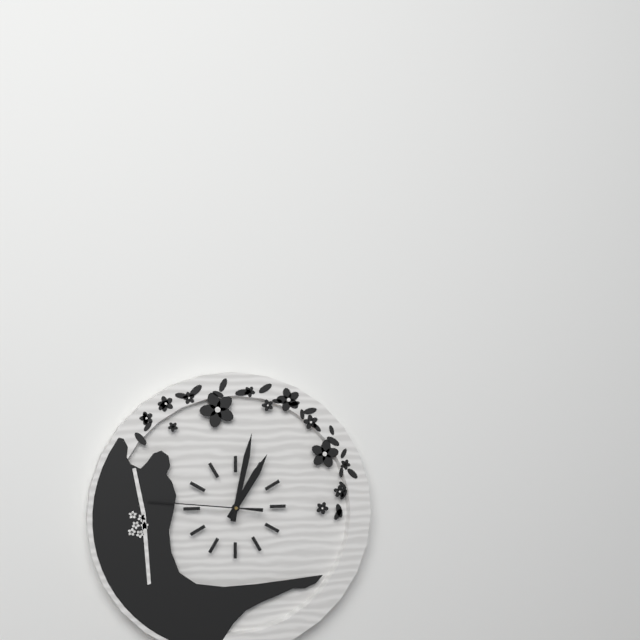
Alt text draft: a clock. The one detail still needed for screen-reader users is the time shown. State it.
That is 1:02:46
